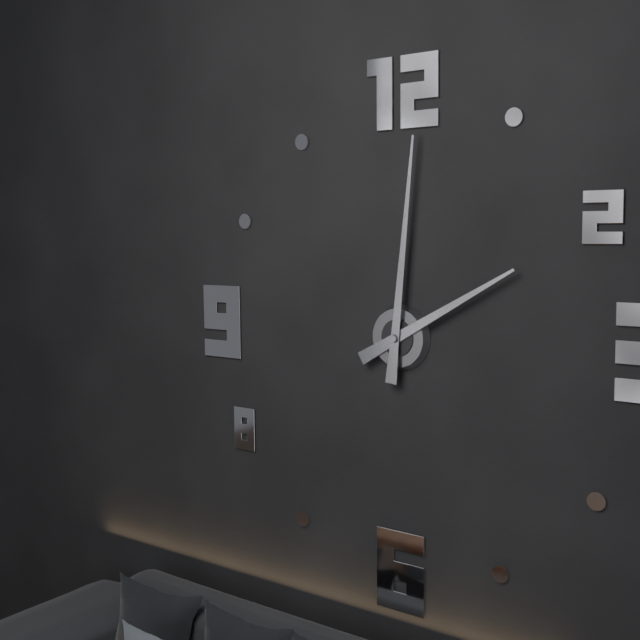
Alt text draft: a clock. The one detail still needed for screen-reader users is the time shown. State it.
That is 2:01
